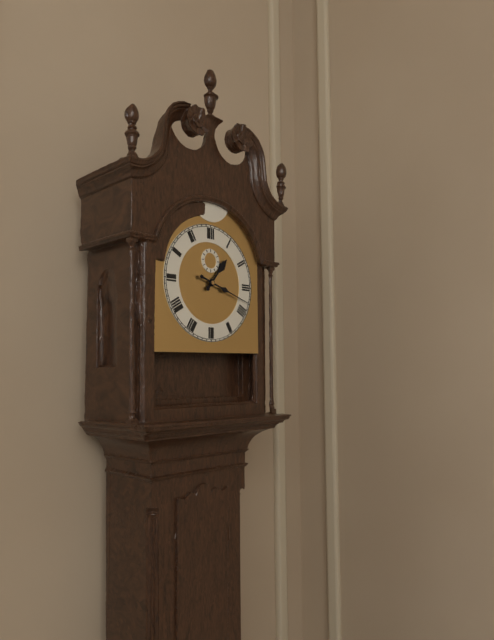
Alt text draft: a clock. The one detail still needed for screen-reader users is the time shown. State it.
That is 1:18
